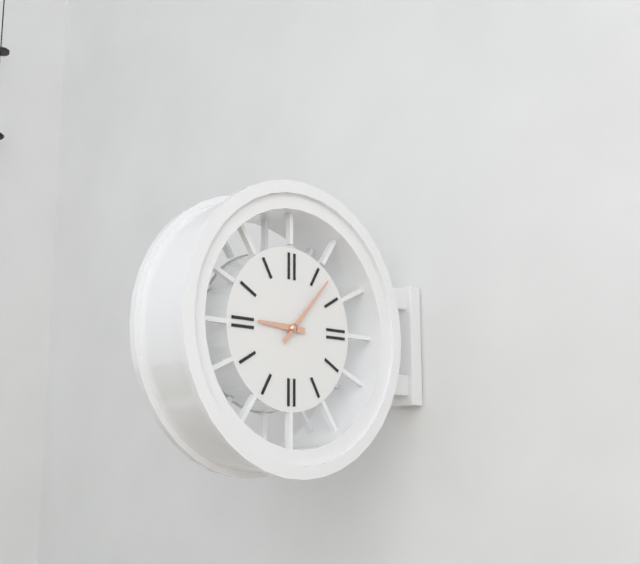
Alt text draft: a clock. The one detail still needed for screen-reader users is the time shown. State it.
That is 9:07
